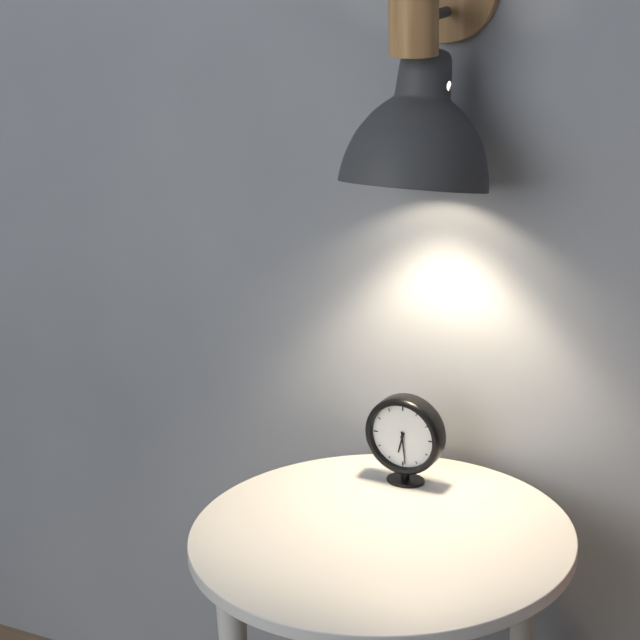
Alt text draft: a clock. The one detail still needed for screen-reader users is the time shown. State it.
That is 6:29
